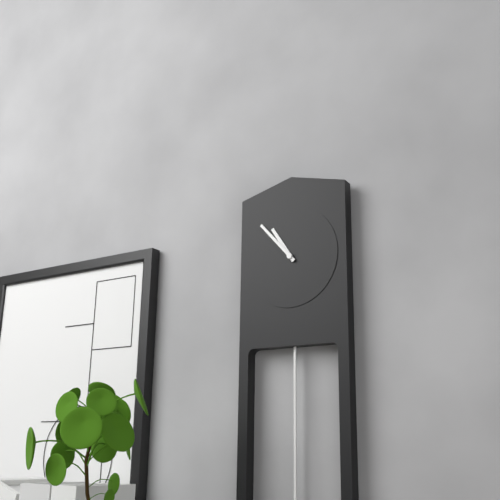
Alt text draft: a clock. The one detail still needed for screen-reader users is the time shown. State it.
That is 10:53
